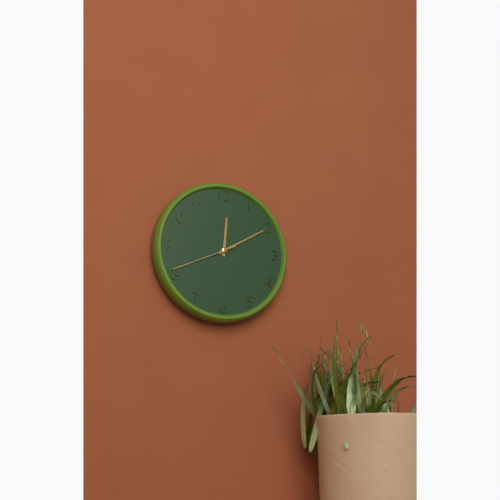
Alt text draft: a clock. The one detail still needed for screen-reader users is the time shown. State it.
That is 12:10:41
